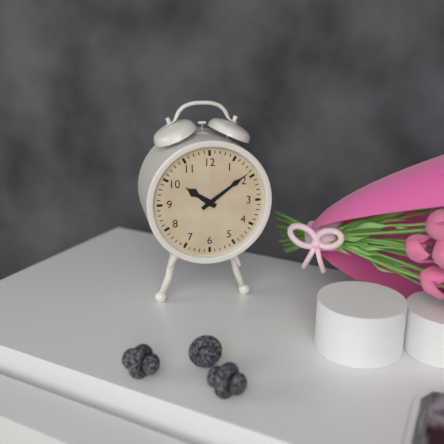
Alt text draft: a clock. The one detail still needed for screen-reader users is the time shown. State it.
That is 10:09
